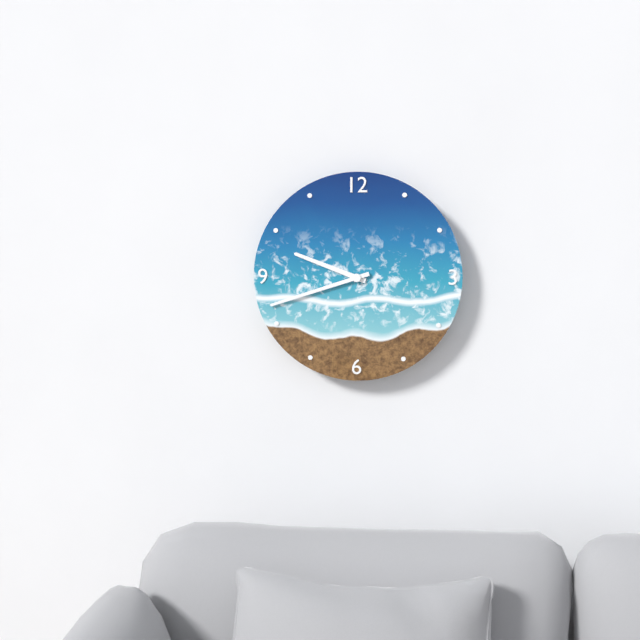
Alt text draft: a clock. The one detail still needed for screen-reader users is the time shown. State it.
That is 9:42
